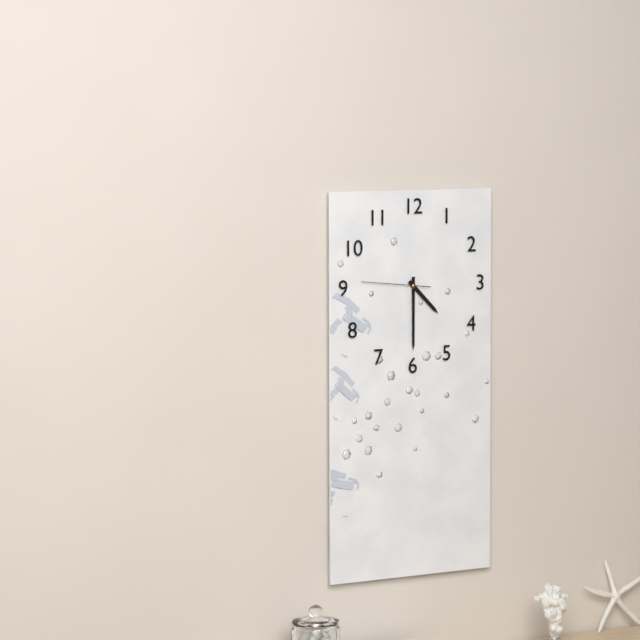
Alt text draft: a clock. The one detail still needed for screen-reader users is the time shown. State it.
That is 4:30:46
